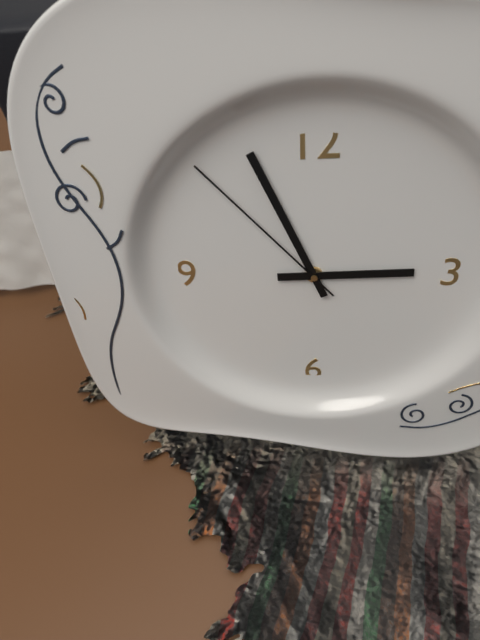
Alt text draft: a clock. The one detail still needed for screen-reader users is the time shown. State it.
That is 2:56:53
